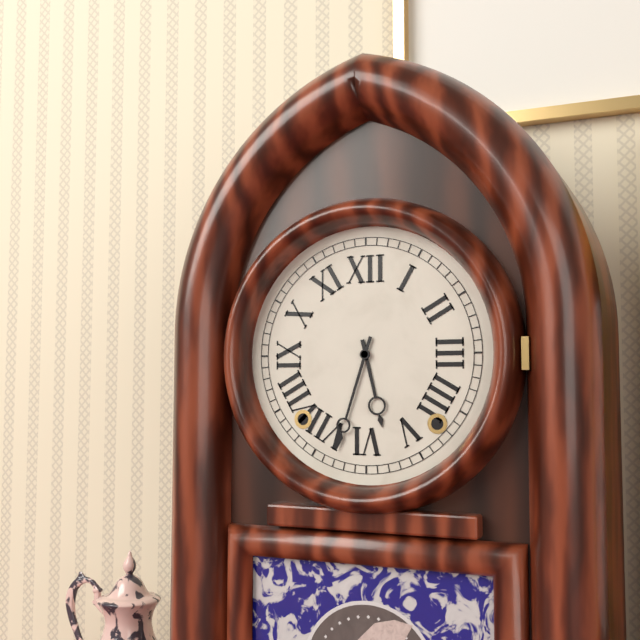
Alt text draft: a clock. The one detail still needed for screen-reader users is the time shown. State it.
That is 5:33
